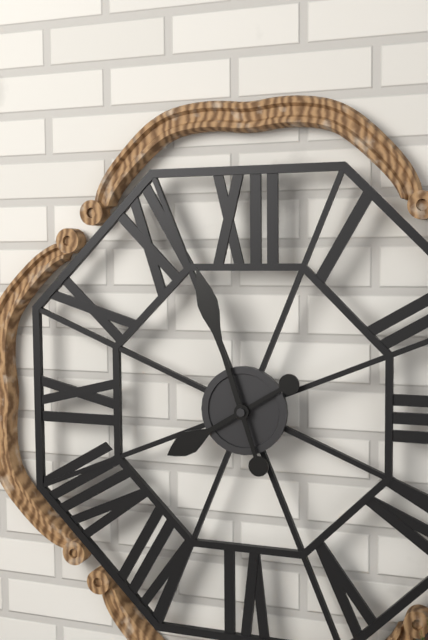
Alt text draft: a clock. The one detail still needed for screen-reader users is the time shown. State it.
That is 7:57
